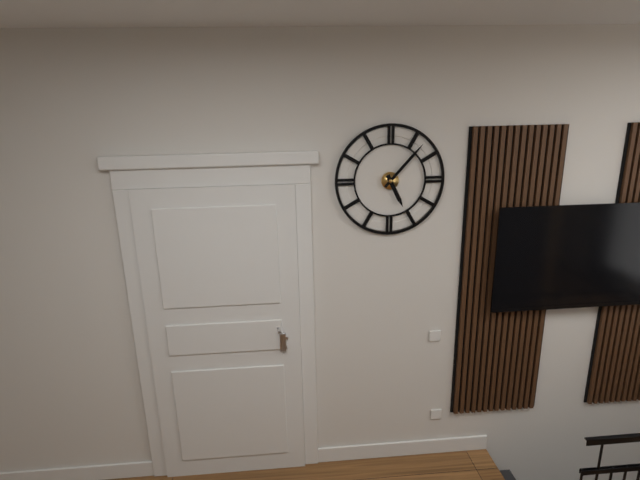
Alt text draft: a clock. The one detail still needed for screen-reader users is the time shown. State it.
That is 5:07
